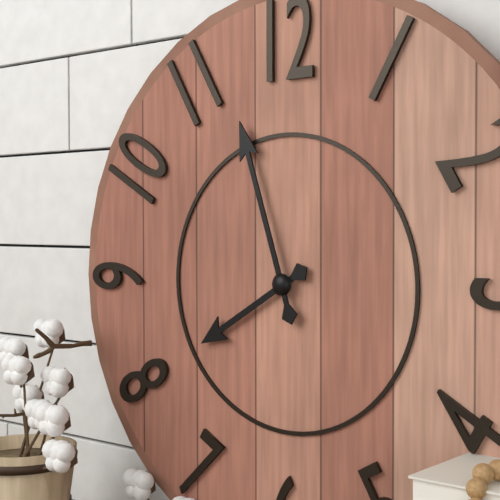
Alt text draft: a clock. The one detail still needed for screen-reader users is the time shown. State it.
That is 7:57
